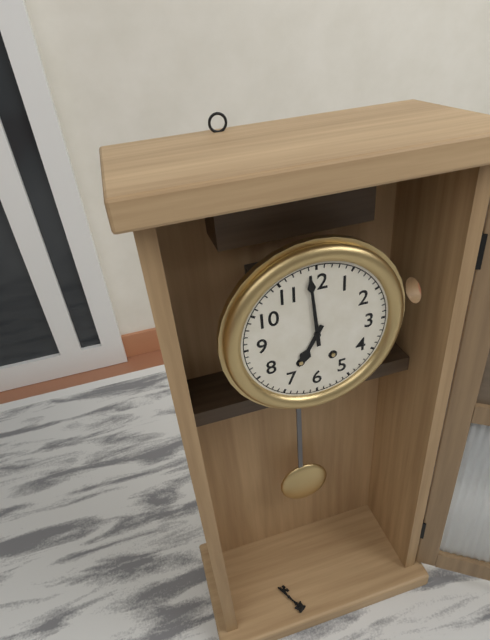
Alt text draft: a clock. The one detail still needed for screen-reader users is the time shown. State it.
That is 6:59
